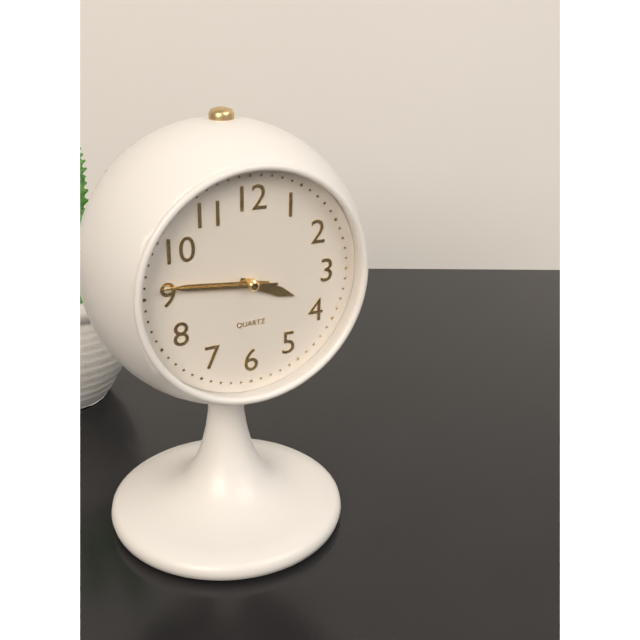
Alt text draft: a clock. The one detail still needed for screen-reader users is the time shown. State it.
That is 3:46:46
